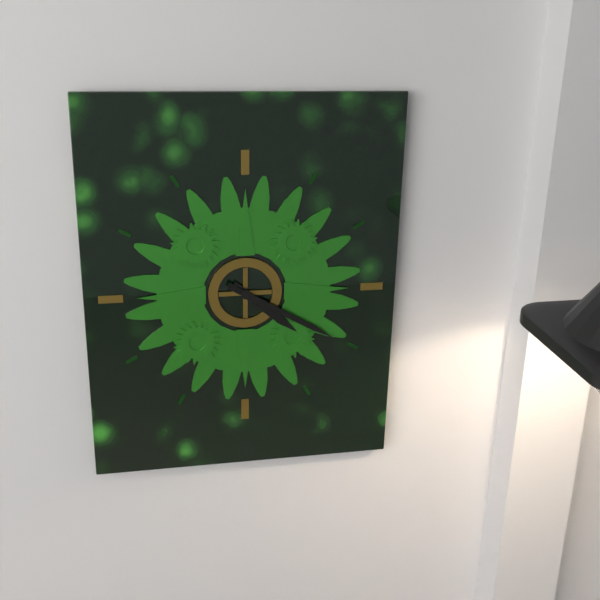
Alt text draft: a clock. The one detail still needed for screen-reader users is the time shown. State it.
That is 4:20
